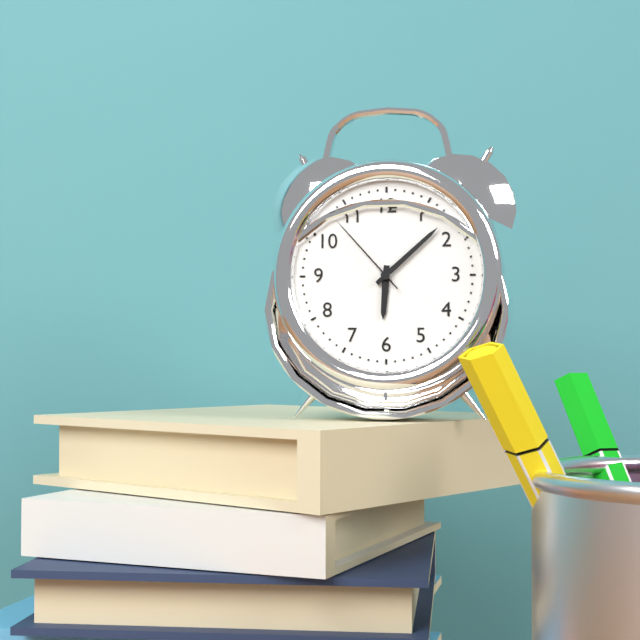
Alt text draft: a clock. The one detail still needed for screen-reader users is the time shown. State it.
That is 6:08:53
